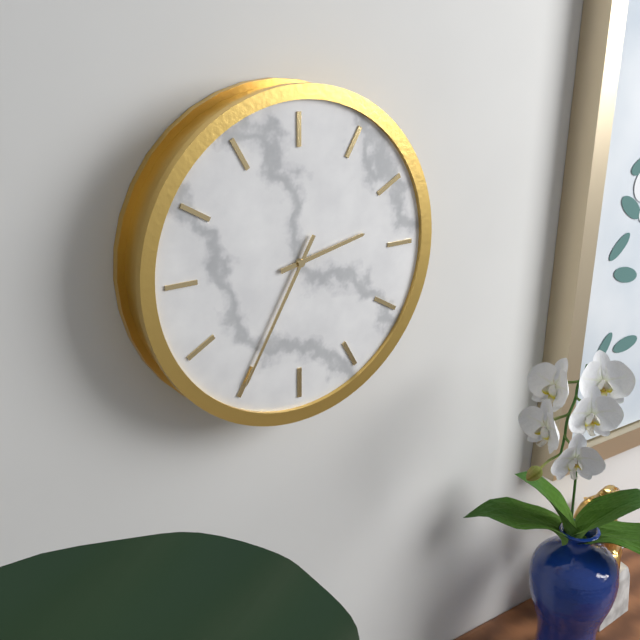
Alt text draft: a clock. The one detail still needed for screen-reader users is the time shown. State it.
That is 2:35
